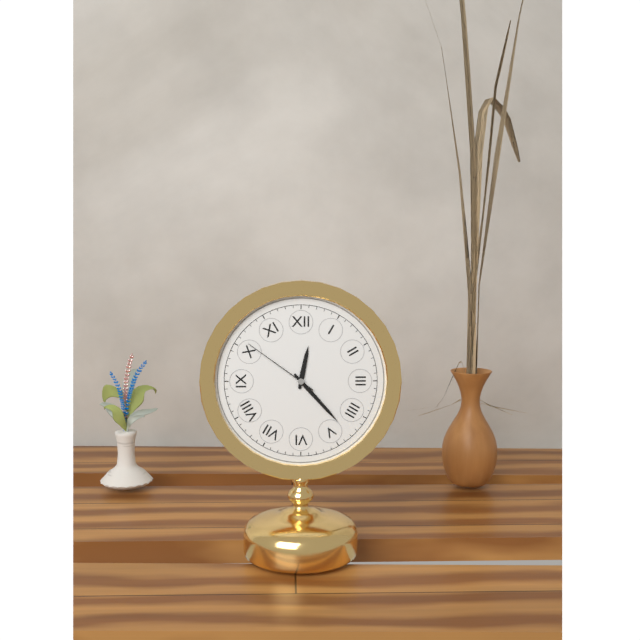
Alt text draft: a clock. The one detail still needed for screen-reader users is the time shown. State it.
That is 12:23:51
